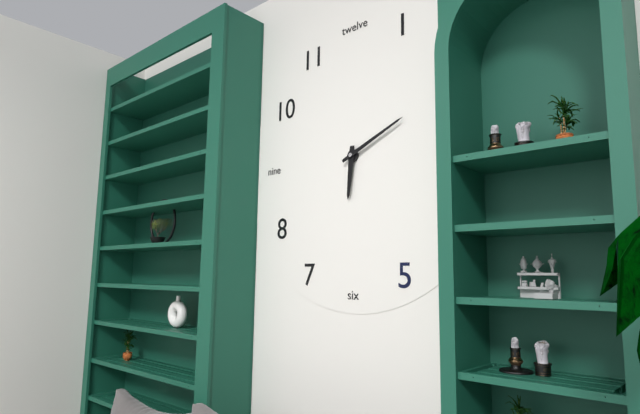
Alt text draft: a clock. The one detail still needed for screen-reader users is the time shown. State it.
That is 6:11
